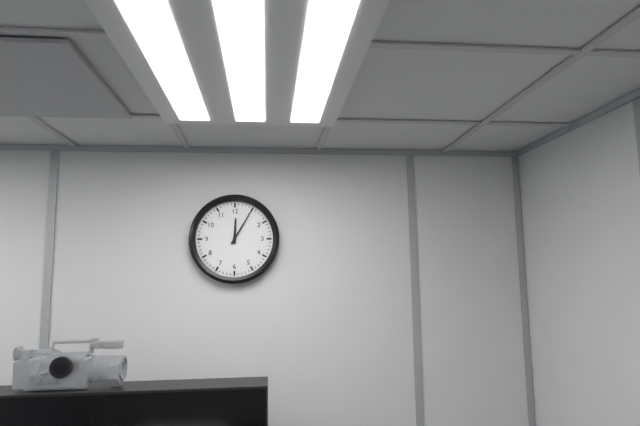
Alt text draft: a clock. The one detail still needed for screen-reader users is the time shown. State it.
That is 12:05
